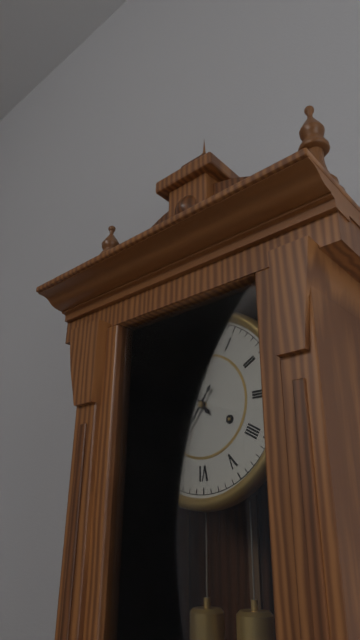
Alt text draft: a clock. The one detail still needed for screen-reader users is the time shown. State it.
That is 10:36
